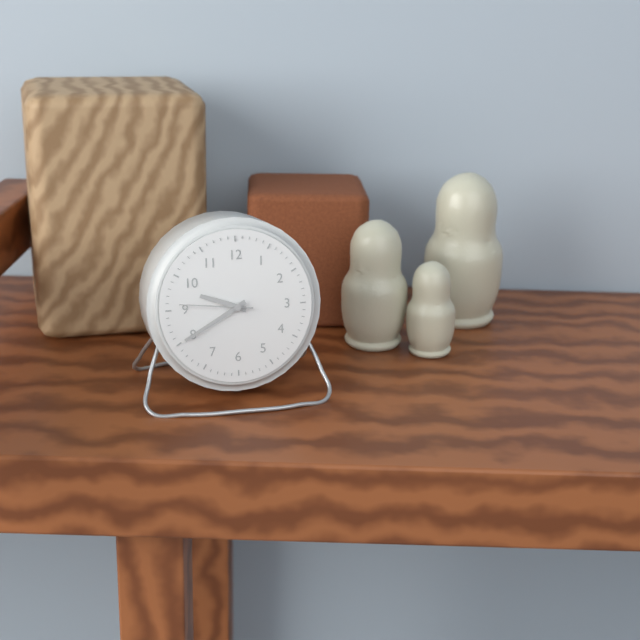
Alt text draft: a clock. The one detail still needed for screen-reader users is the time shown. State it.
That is 9:40:46
